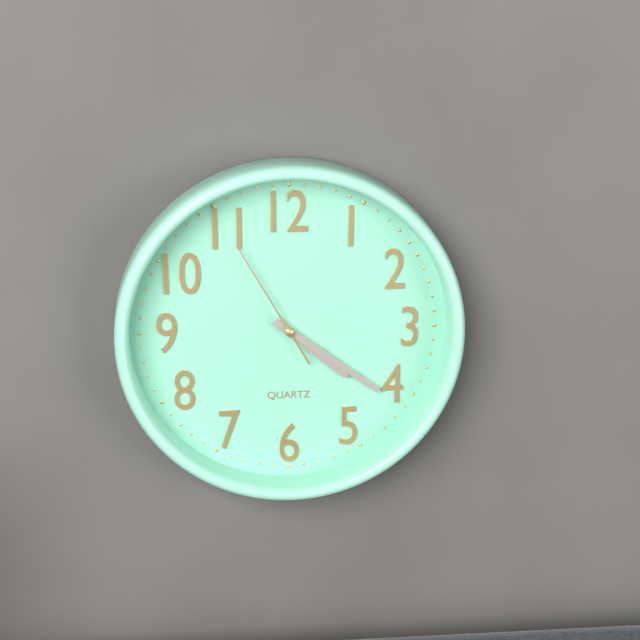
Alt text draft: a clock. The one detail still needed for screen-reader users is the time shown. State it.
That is 4:21:55
